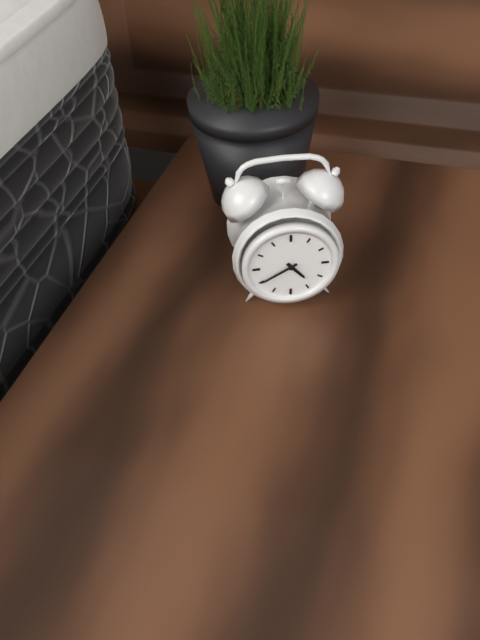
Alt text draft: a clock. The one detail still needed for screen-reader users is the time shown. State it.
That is 4:40
